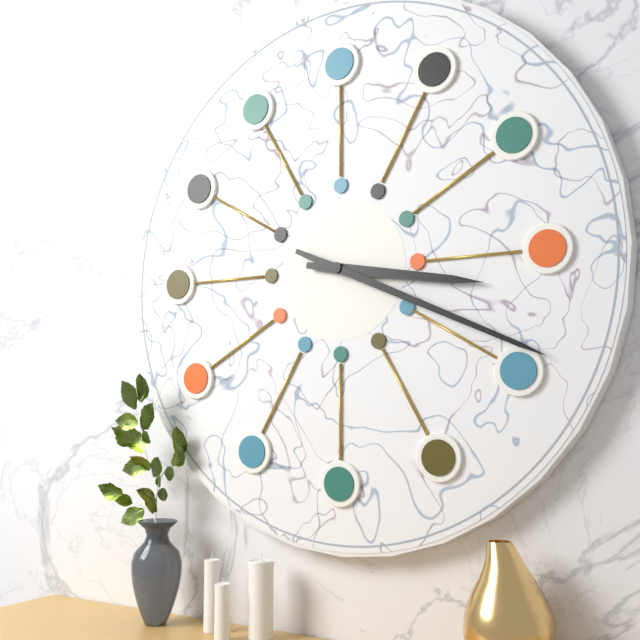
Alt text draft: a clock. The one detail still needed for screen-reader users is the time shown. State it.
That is 3:19
